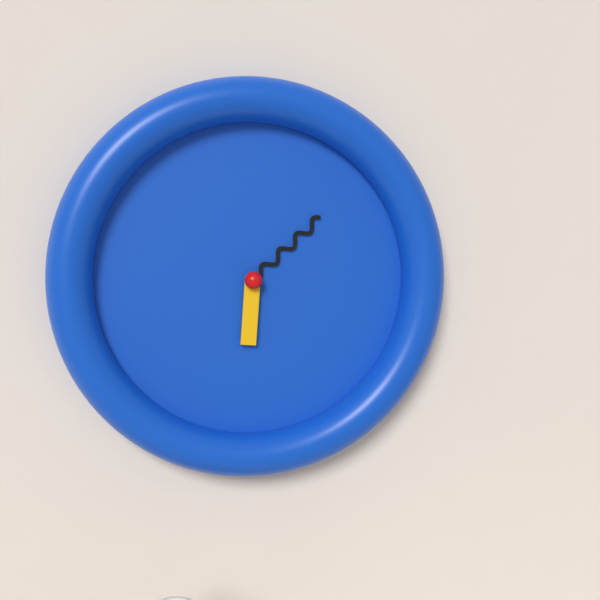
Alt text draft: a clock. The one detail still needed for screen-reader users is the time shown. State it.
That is 6:08
